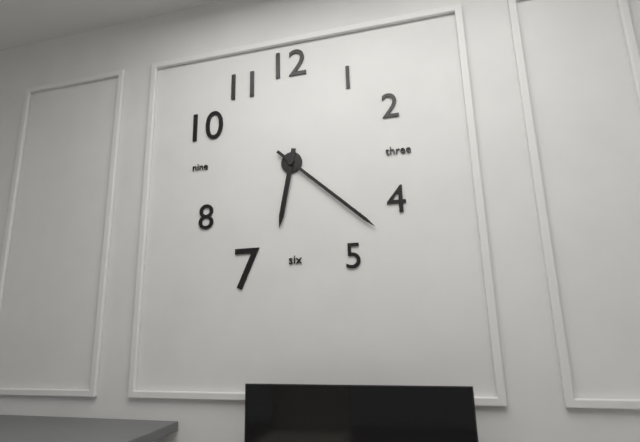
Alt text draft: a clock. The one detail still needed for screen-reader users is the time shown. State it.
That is 6:22
